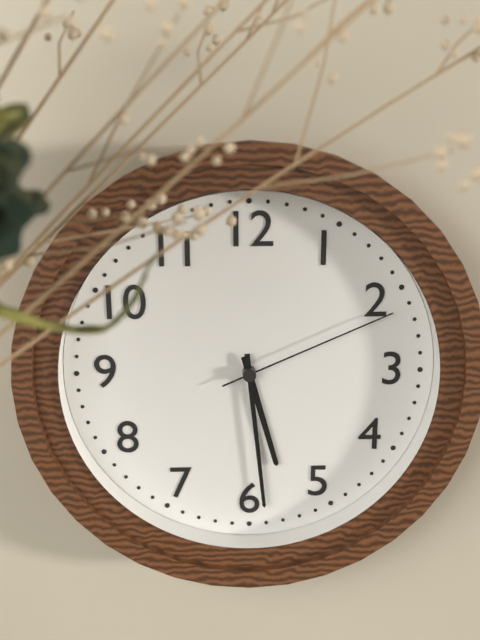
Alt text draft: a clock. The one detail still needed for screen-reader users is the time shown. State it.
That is 5:29:11
